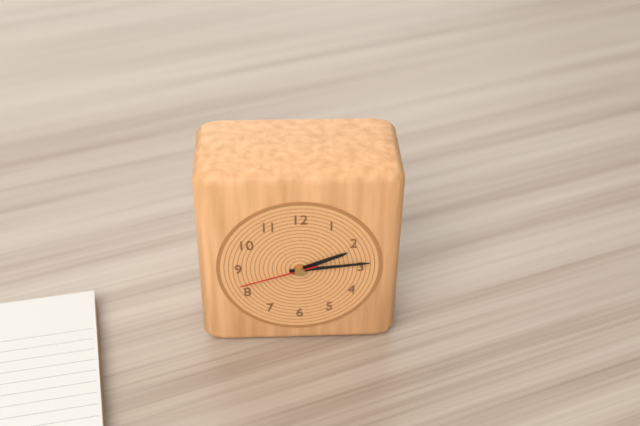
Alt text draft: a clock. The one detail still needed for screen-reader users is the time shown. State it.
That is 2:14:42
